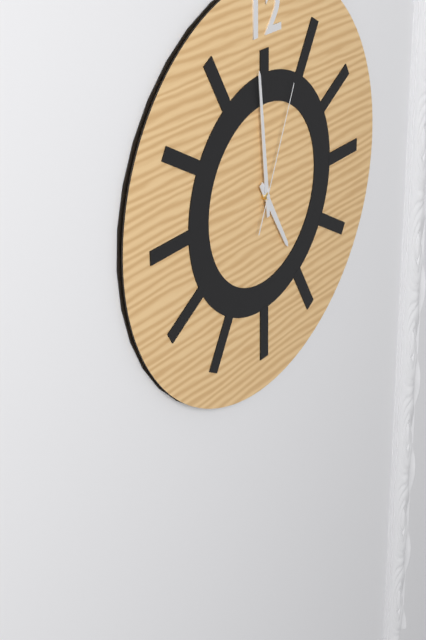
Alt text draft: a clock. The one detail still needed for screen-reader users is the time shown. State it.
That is 4:59:04
